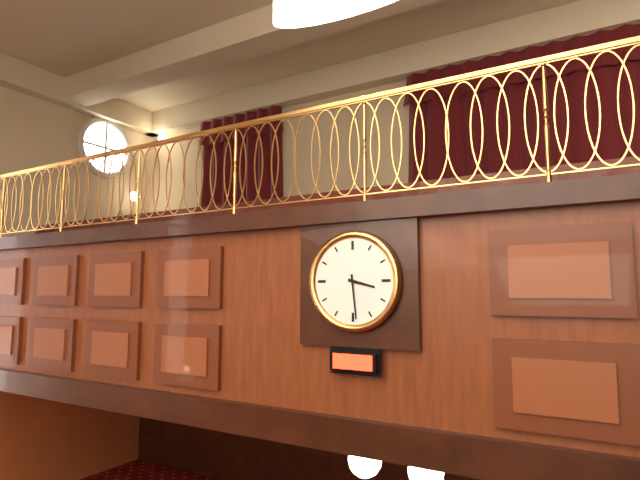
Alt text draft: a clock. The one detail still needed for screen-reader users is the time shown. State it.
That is 3:29
